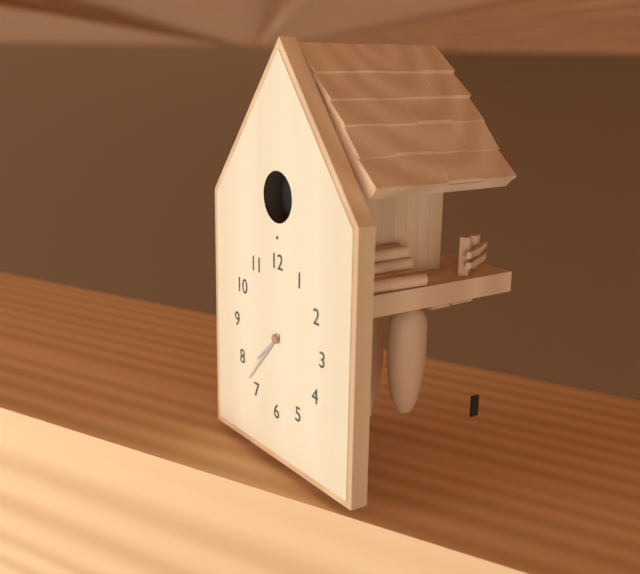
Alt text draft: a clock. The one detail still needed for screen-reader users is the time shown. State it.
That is 7:37
